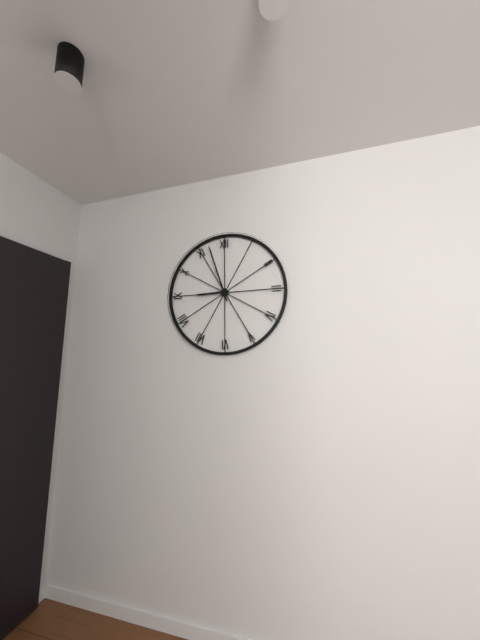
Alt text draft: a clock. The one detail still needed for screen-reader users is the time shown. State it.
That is 8:57
